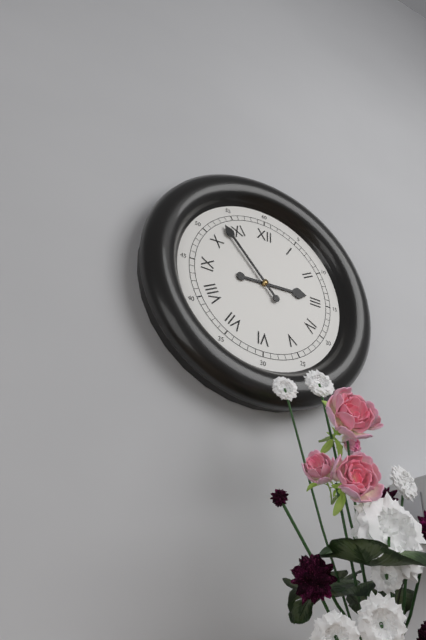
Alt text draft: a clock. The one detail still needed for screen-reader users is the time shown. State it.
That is 2:53
